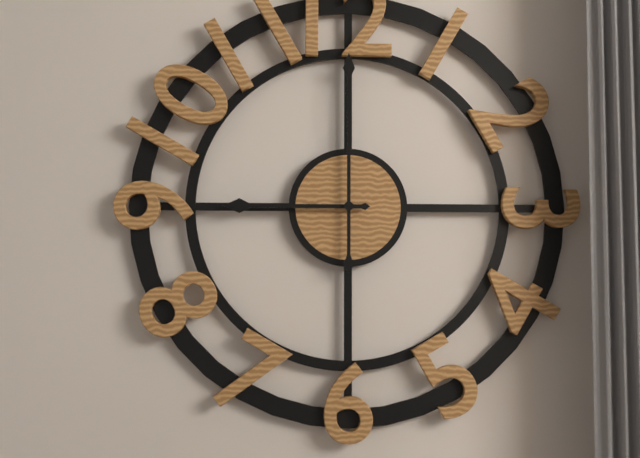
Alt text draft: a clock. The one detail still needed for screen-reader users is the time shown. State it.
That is 9:00
